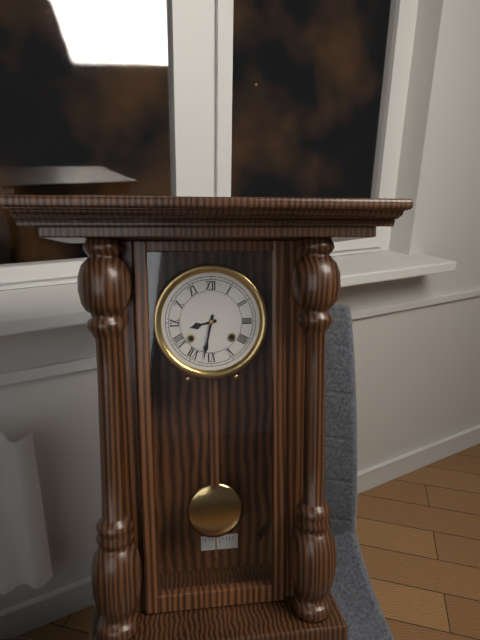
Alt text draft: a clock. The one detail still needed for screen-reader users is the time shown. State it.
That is 8:32
